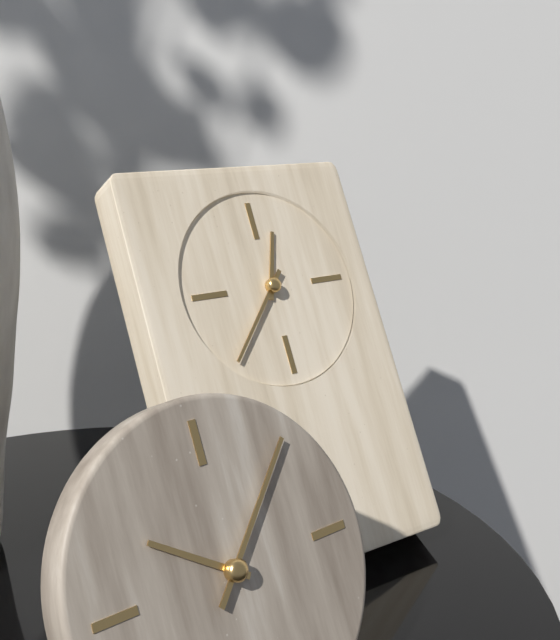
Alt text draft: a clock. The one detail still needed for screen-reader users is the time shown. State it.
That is 12:37
